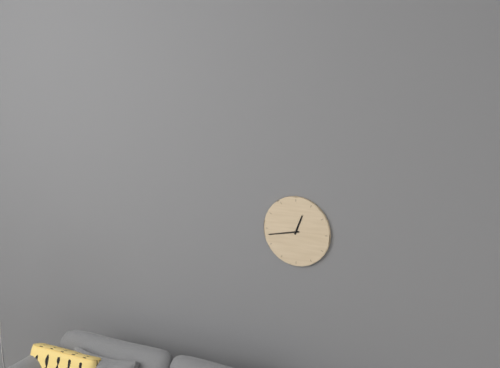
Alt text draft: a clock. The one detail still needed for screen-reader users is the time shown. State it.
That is 12:43
